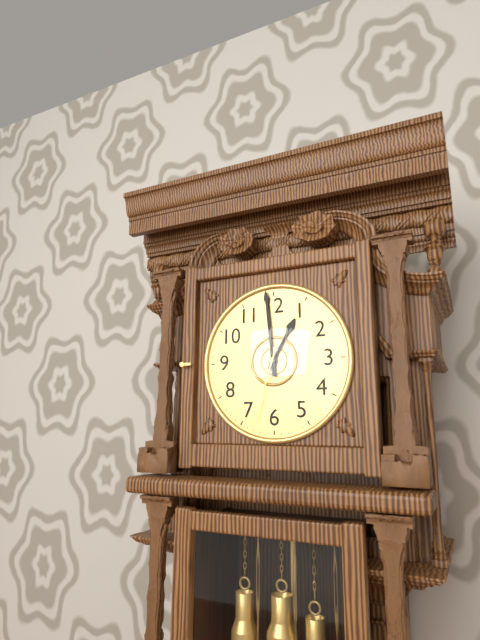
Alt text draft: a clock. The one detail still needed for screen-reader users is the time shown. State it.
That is 12:59:33
